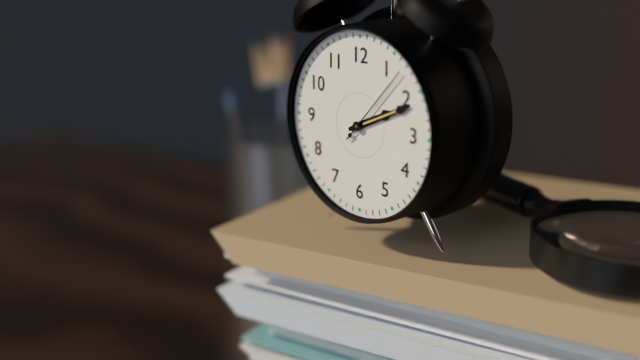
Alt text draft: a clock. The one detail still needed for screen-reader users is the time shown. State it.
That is 2:11:07
